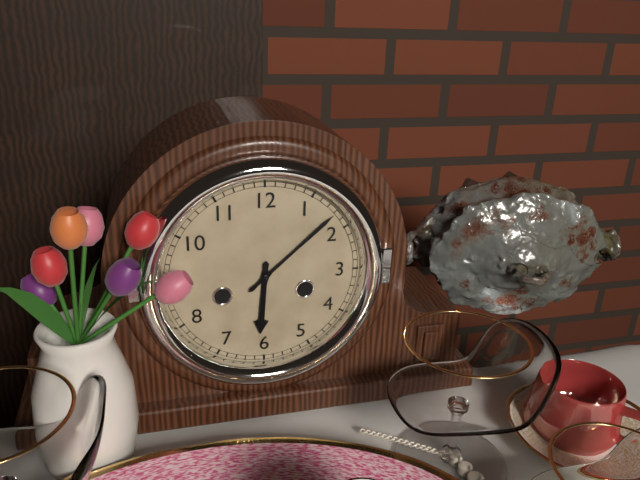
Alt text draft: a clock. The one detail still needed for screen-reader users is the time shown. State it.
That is 6:08
